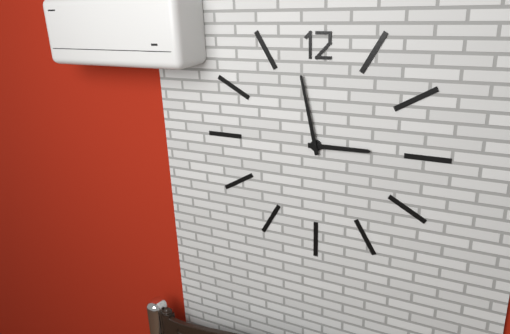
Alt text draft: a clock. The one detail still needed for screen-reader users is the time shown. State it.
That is 2:58
